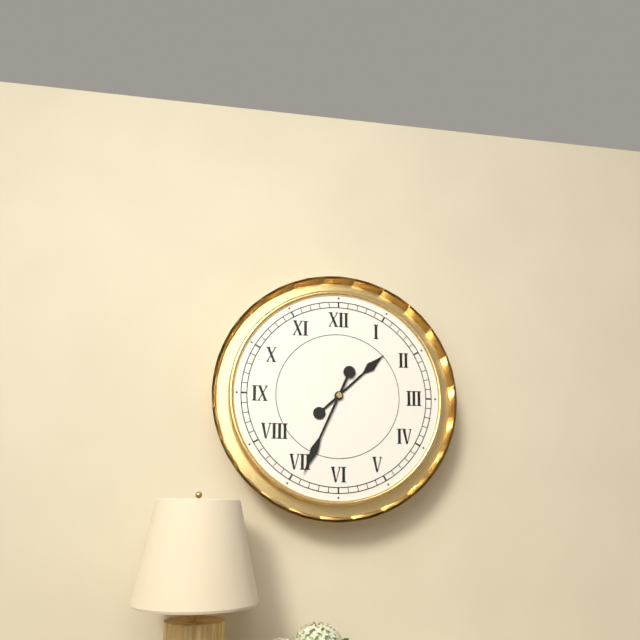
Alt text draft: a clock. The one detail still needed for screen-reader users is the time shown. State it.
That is 1:34
